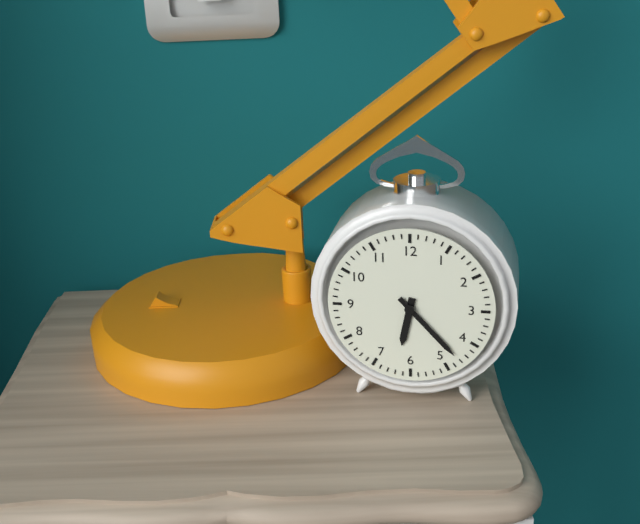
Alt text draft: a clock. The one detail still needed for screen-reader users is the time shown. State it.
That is 6:23
